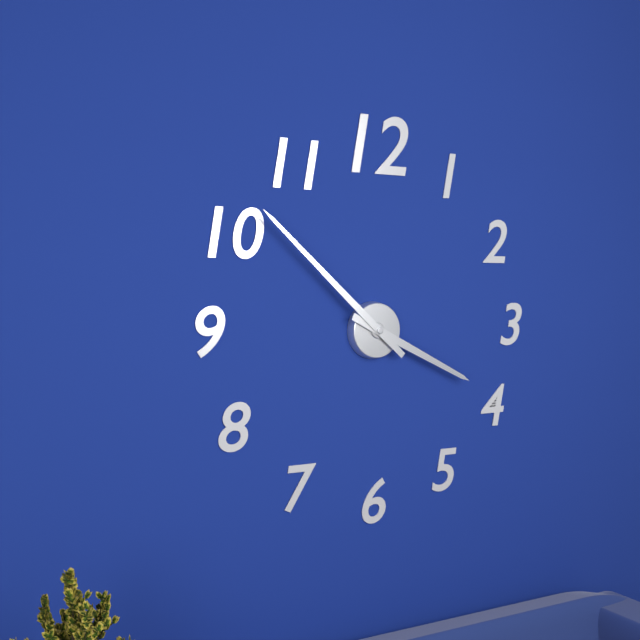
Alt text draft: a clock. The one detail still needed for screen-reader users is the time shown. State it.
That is 3:52
